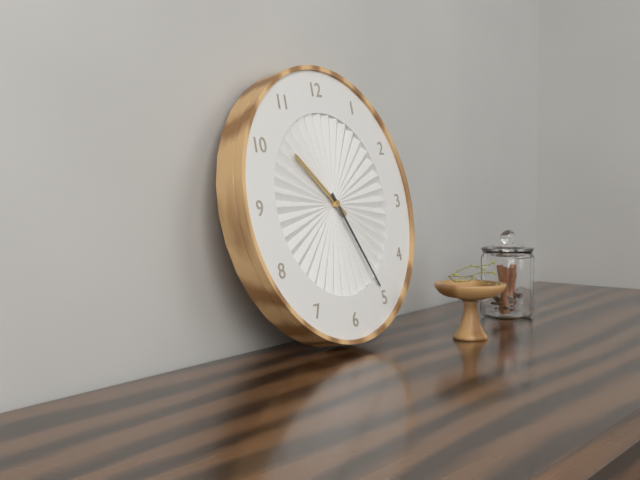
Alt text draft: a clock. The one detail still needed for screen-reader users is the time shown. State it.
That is 10:25
